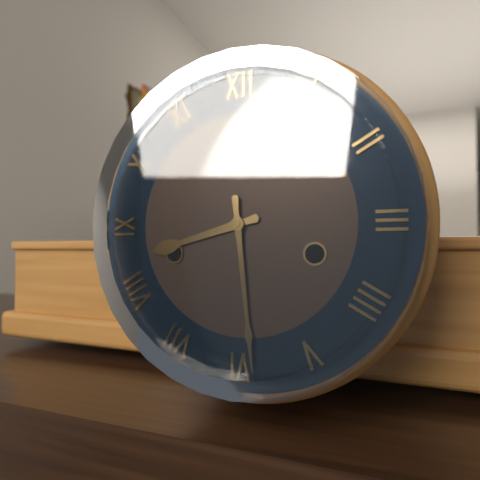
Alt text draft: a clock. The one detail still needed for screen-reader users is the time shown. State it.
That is 8:29
